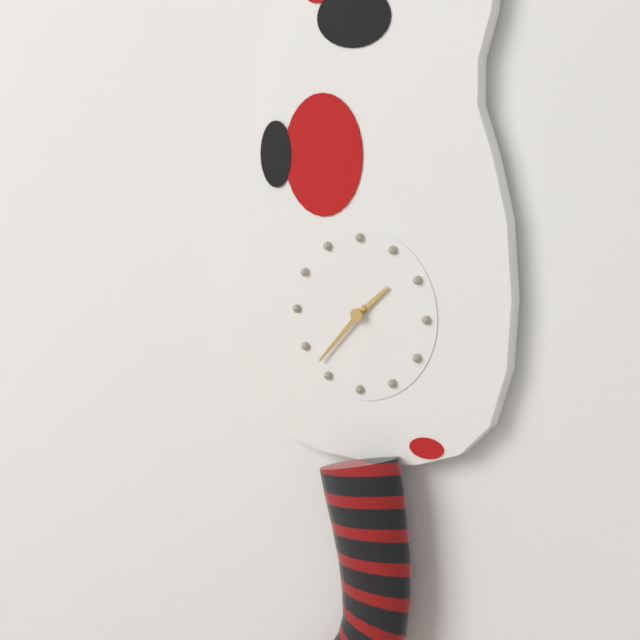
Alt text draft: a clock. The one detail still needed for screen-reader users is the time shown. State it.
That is 1:37
